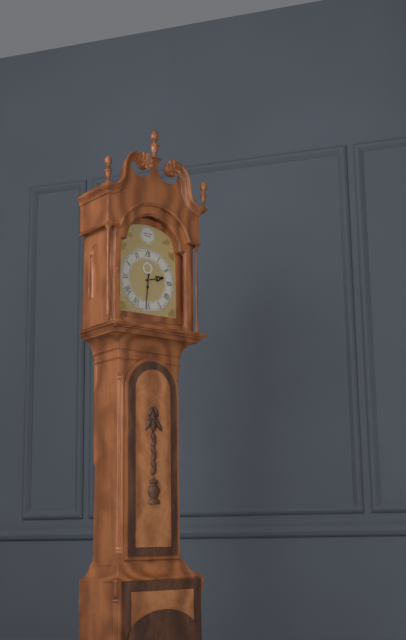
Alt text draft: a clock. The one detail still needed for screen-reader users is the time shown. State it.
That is 2:31
